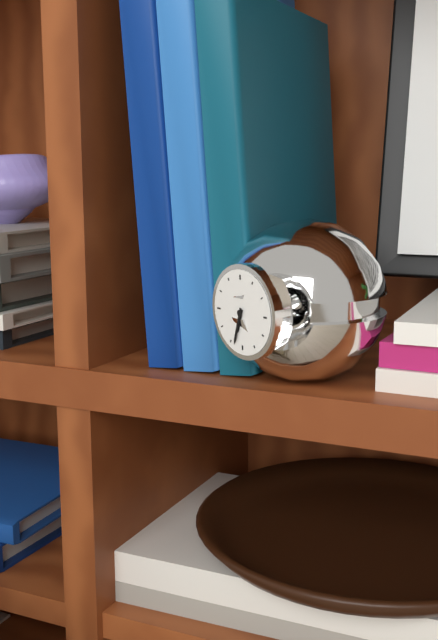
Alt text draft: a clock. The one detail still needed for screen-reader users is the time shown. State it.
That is 6:33
